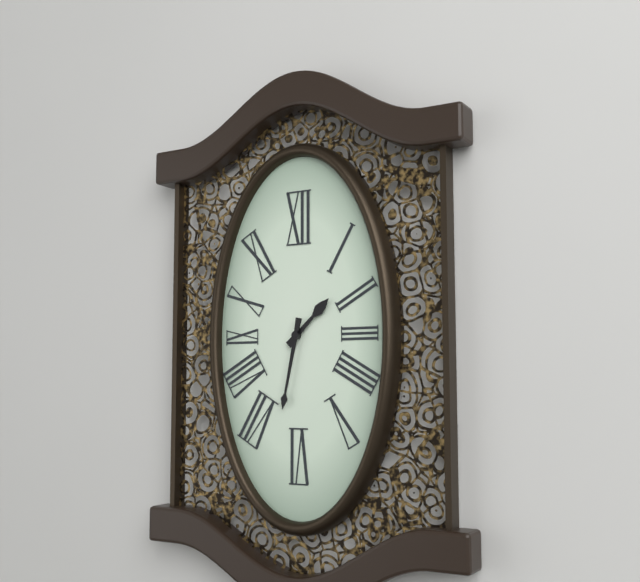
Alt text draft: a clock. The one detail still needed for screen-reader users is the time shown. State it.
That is 1:32
